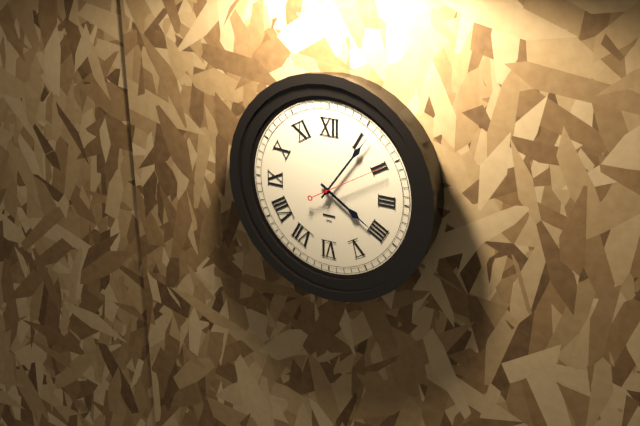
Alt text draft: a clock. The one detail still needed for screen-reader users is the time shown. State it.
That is 4:06:10
